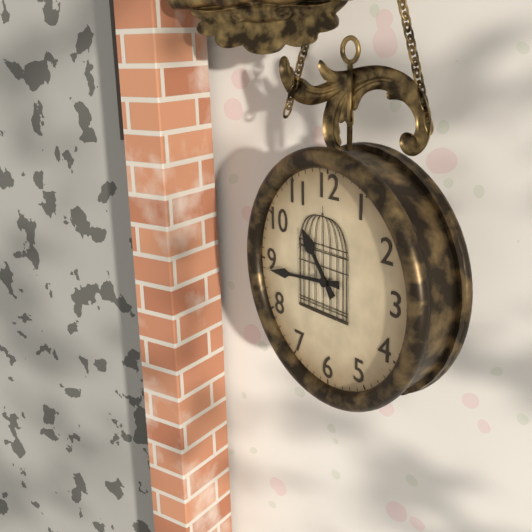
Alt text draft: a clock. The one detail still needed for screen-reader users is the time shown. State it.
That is 10:44
